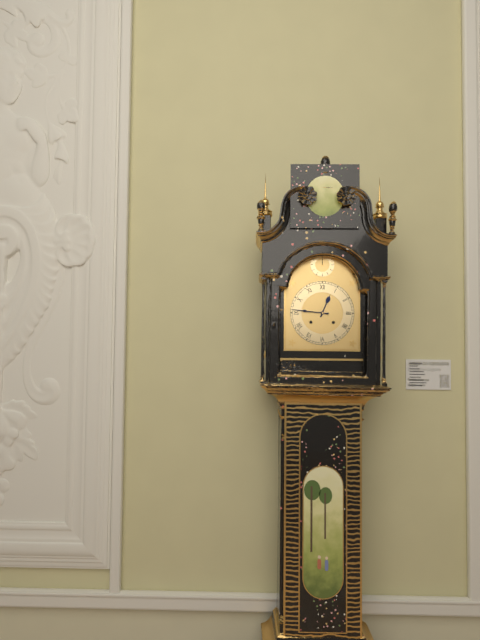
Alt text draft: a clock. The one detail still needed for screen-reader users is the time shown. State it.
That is 12:46
